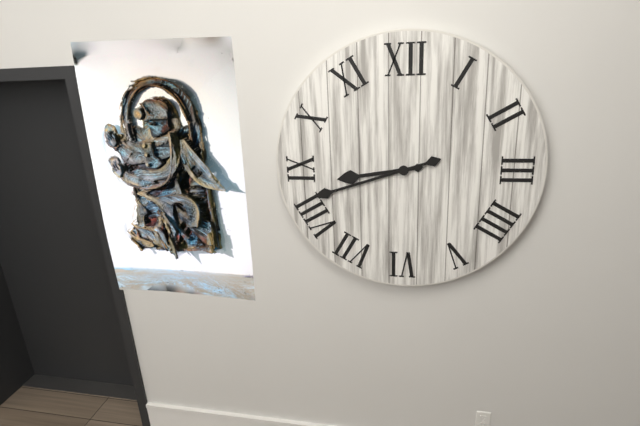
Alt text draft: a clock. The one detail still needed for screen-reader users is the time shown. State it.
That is 8:42
